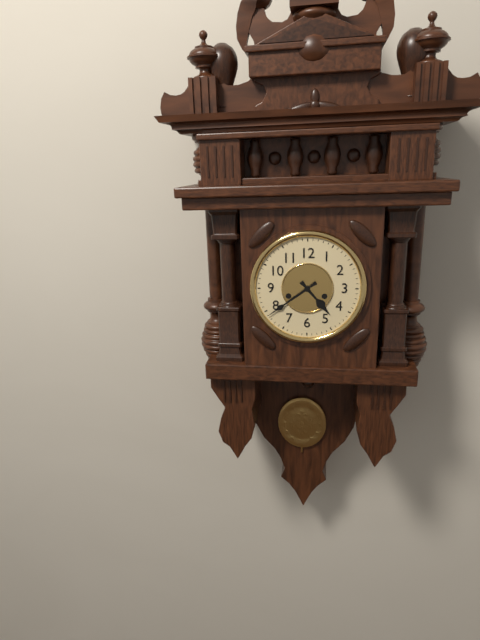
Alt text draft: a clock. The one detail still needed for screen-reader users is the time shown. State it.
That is 4:39
